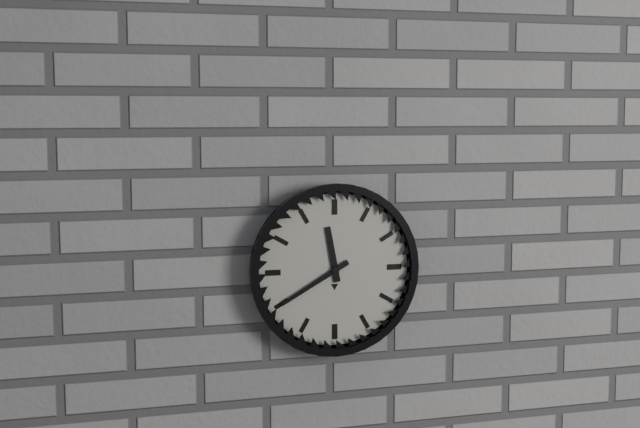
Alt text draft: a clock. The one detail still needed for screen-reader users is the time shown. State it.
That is 11:40
